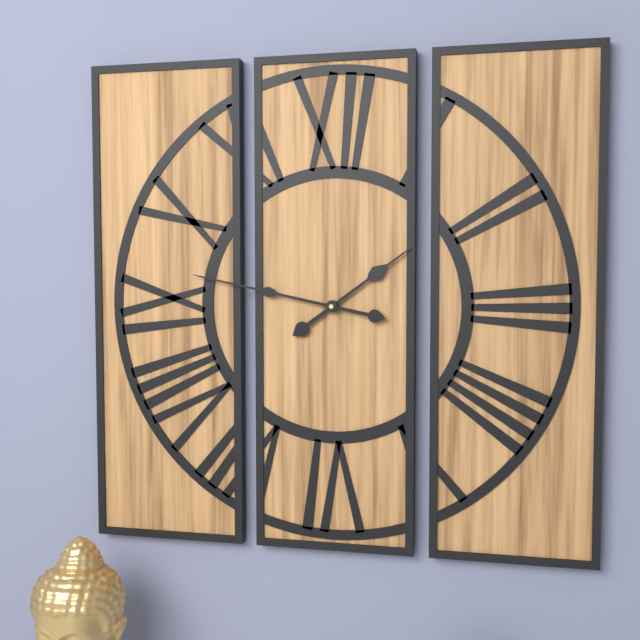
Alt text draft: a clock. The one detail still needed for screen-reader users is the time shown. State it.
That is 1:47
